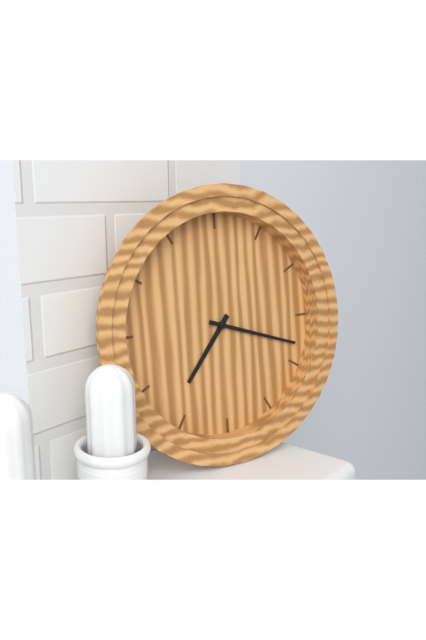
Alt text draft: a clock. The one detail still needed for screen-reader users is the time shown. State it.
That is 7:18
